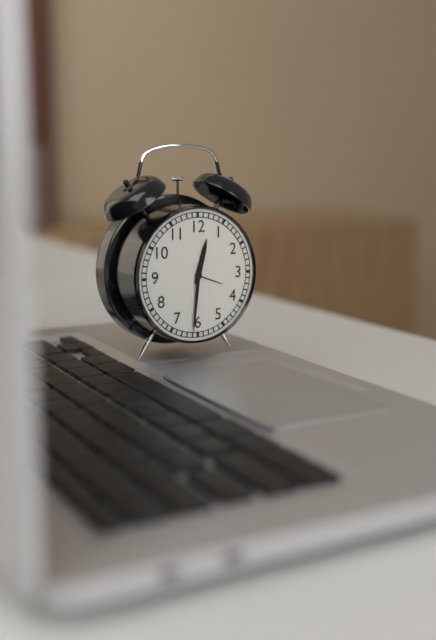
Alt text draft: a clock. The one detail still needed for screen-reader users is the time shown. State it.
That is 12:31
